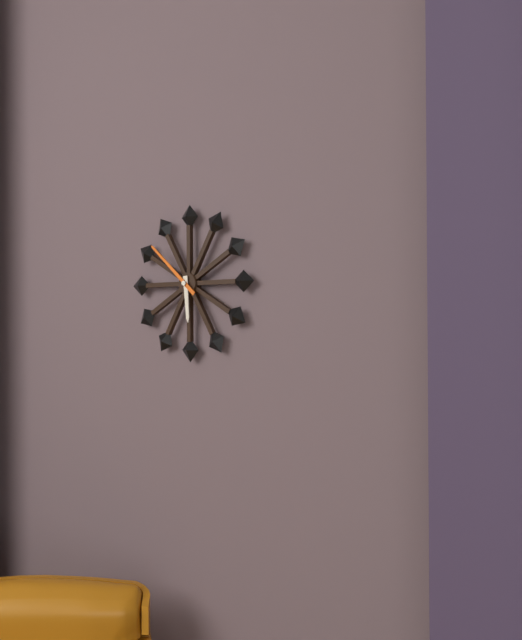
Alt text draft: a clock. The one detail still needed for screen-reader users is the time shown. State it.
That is 5:52
